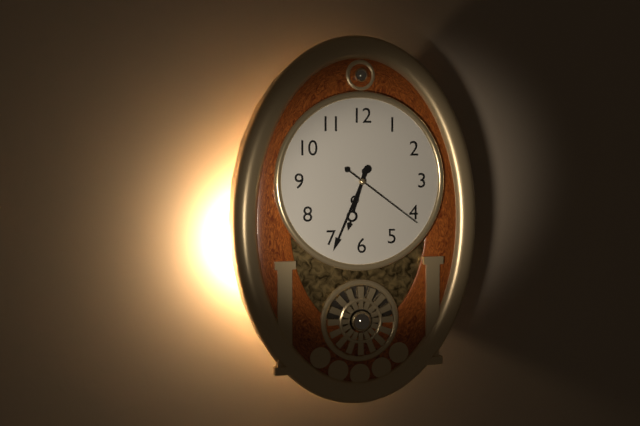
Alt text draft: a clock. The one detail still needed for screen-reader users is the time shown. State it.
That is 6:34:21
